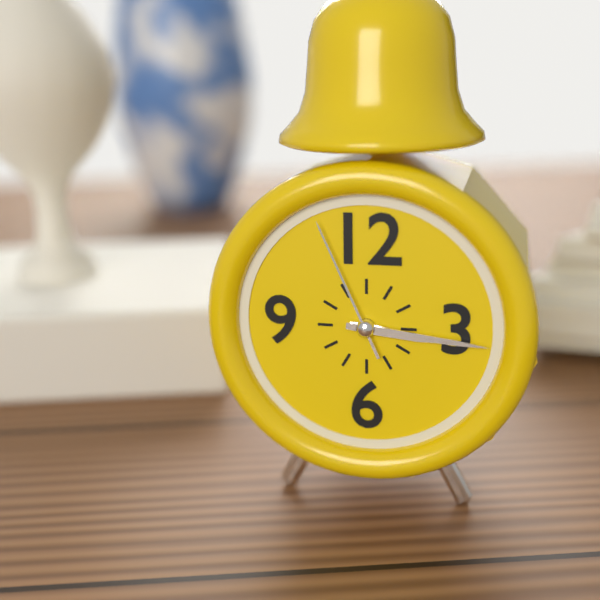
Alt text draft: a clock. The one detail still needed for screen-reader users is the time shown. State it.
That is 3:16:56
